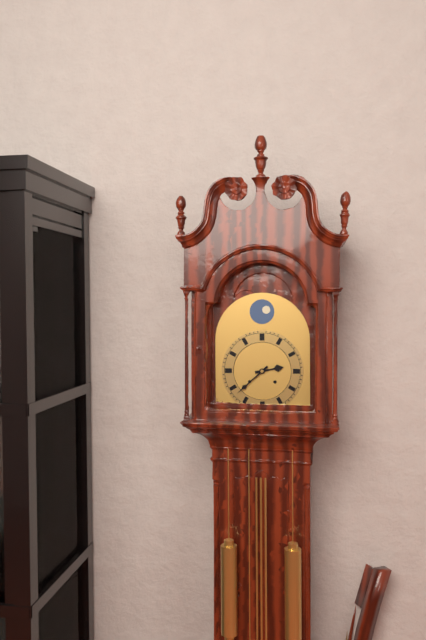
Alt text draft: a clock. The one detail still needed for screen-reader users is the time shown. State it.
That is 2:38
